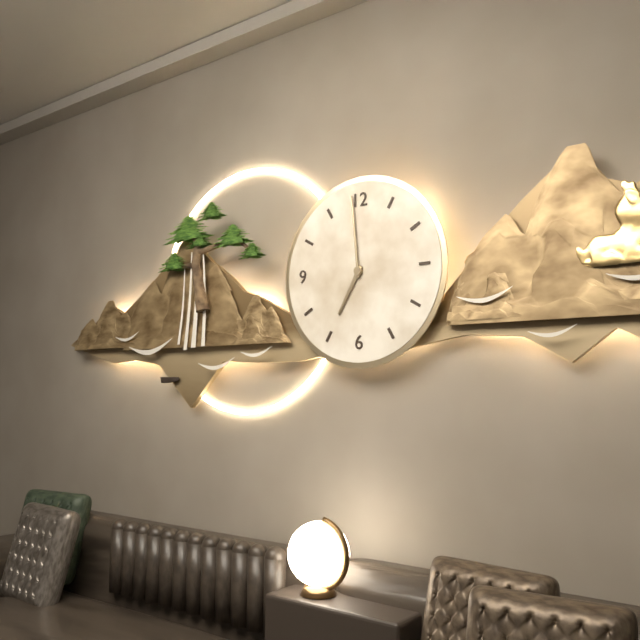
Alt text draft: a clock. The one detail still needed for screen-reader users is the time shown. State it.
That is 6:59
